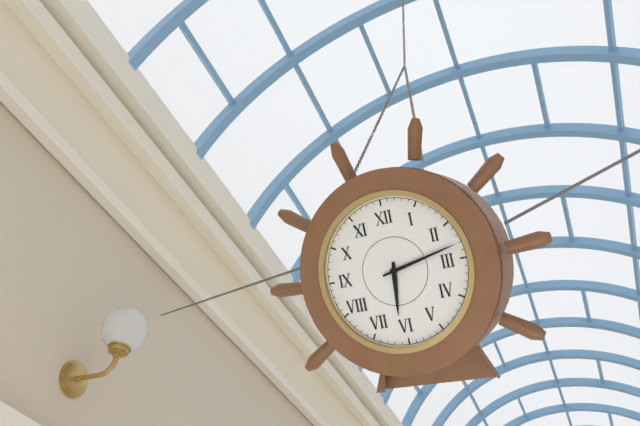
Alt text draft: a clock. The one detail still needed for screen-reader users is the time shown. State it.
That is 6:13
